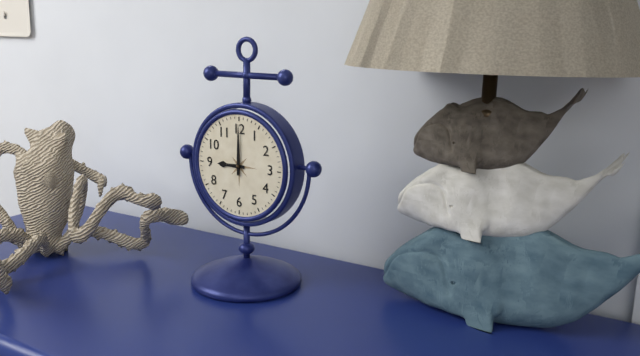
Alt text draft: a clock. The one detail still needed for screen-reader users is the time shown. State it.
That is 9:00
